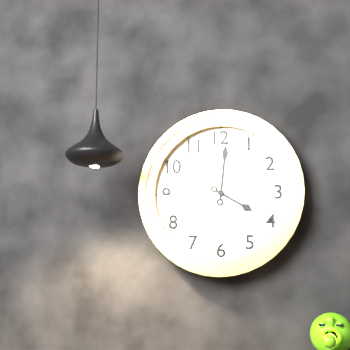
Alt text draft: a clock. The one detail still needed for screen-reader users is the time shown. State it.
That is 4:01
